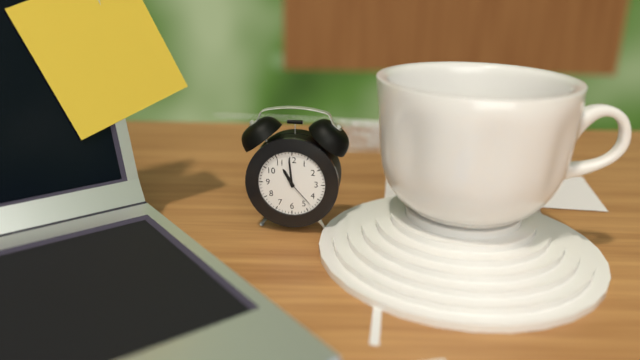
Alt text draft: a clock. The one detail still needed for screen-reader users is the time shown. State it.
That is 10:59
